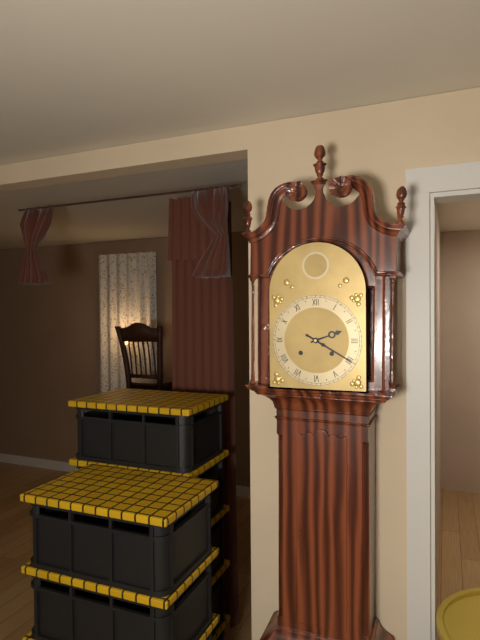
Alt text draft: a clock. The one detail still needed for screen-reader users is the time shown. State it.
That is 2:20
